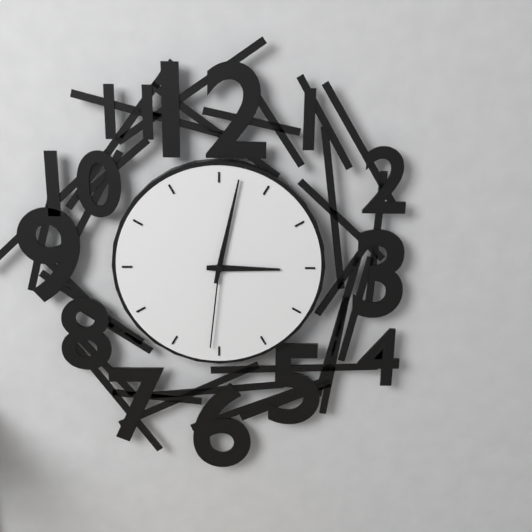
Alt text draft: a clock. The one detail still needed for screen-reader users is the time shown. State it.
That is 3:02:31
